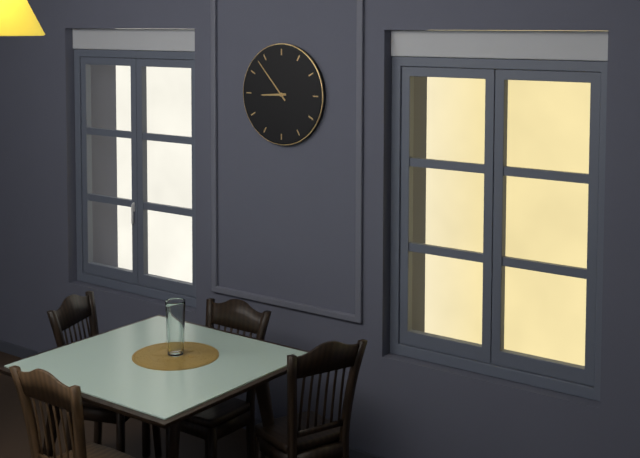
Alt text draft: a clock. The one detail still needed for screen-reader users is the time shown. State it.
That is 8:53
